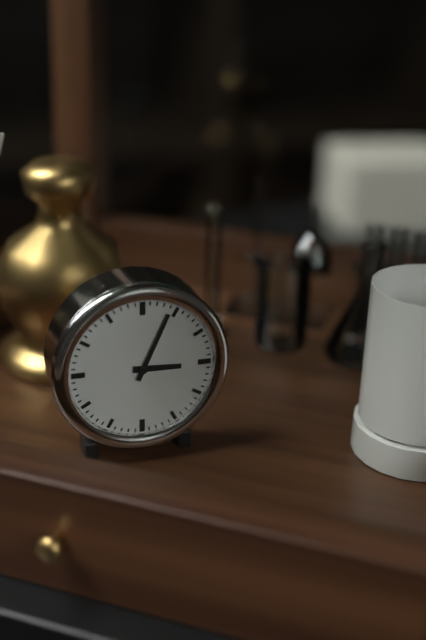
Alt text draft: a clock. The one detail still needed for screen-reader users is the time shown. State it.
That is 3:04
